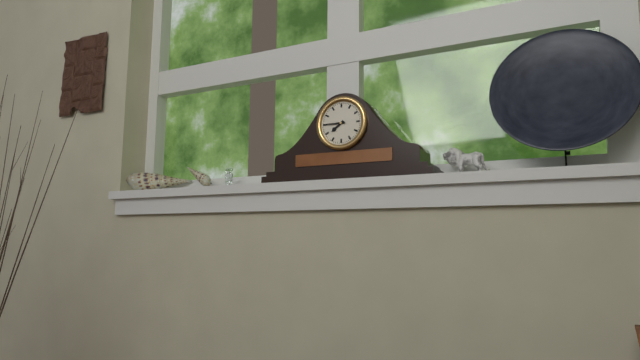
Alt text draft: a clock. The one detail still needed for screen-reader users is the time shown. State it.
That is 7:45
